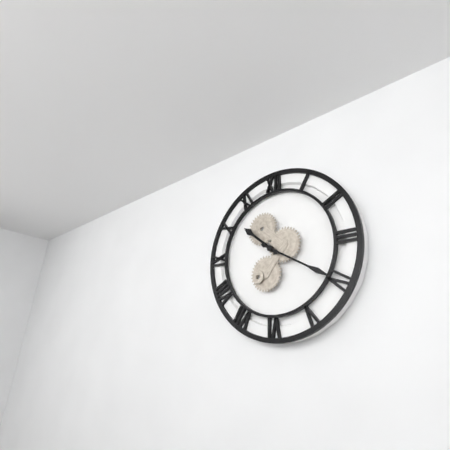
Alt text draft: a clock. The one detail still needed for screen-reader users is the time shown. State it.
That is 10:20
